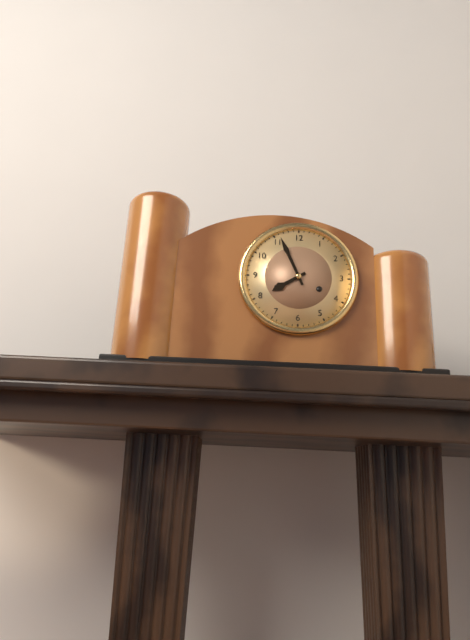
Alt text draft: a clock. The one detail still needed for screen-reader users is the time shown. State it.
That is 7:56
